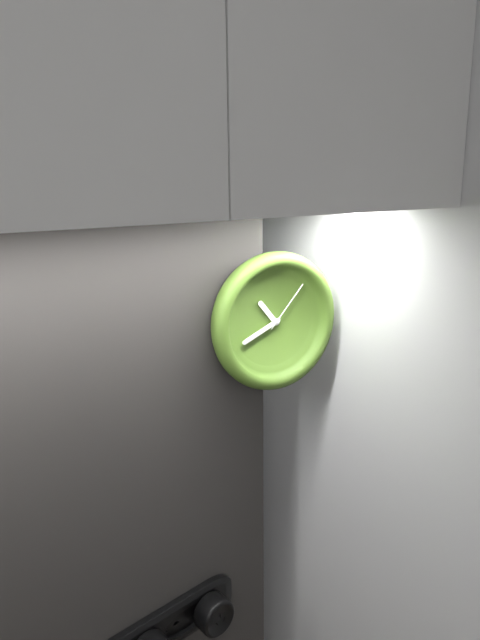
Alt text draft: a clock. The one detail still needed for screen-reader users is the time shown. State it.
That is 10:41:07
